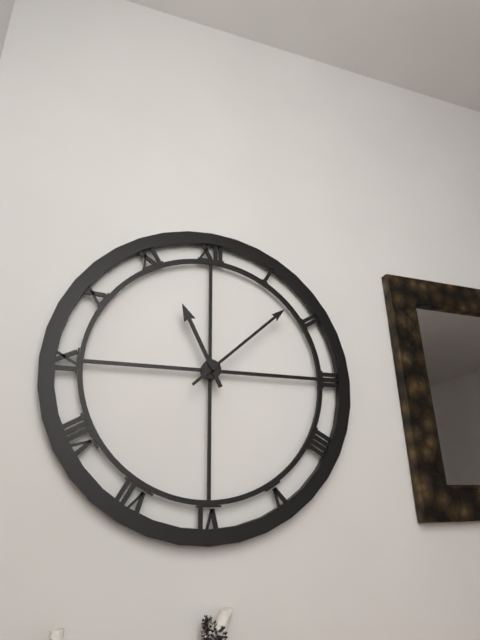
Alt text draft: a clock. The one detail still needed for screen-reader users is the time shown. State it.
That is 11:08
